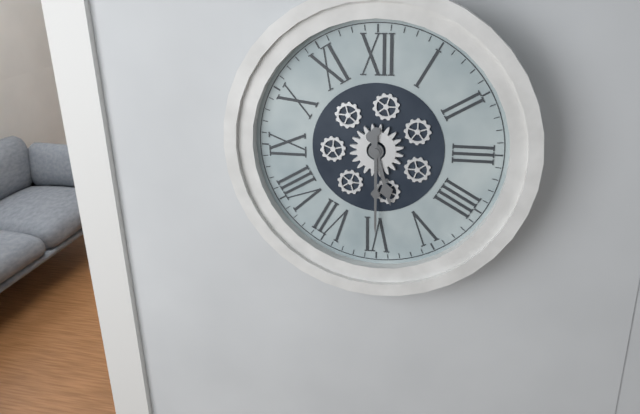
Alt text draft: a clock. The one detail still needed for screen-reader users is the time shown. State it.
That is 5:30
